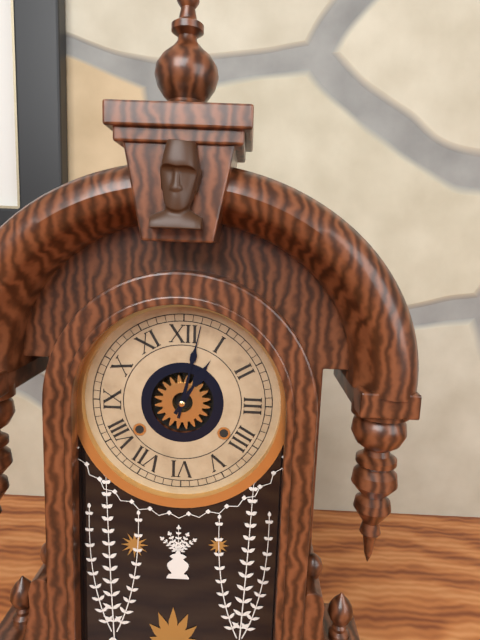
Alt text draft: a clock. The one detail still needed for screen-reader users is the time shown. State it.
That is 1:02
